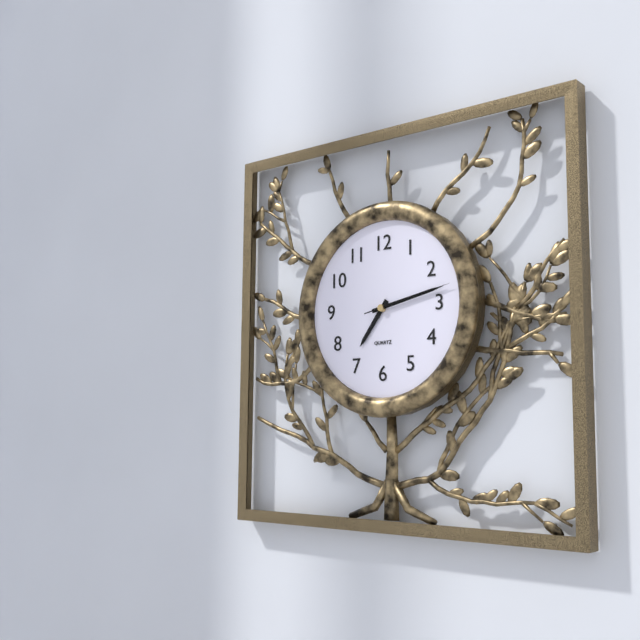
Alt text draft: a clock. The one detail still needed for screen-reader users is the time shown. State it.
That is 7:13:13
